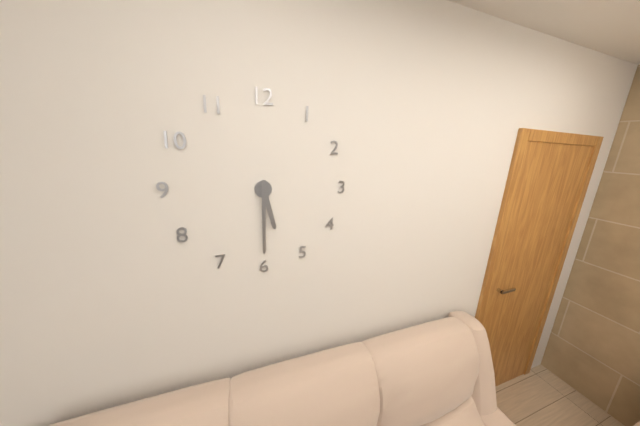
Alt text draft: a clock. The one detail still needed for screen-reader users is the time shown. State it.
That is 5:30
